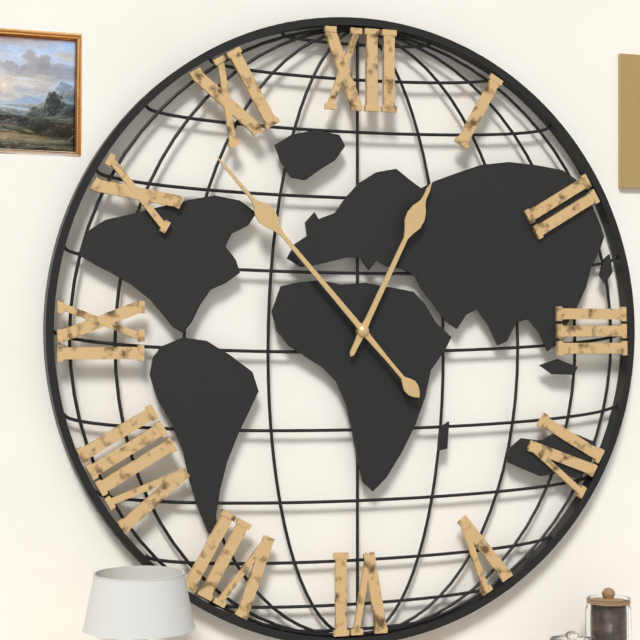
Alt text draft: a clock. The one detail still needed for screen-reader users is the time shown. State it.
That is 12:53
